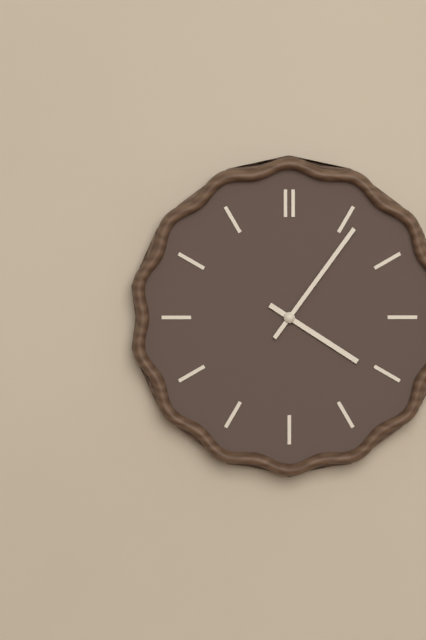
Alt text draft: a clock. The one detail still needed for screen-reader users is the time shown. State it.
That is 4:06
